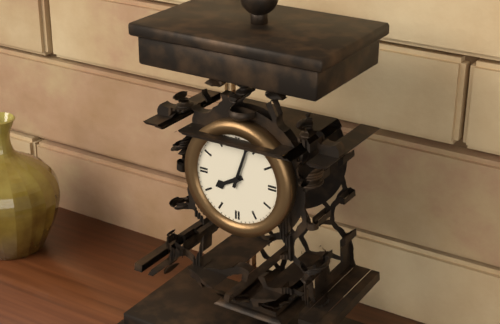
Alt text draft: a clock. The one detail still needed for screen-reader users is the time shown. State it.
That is 8:03
